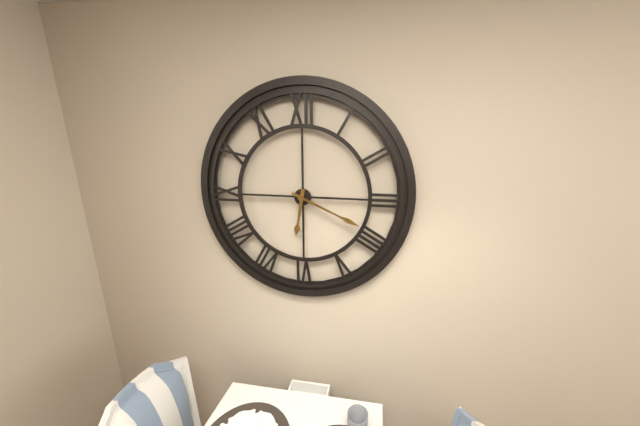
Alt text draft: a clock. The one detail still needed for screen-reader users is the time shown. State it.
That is 6:19
